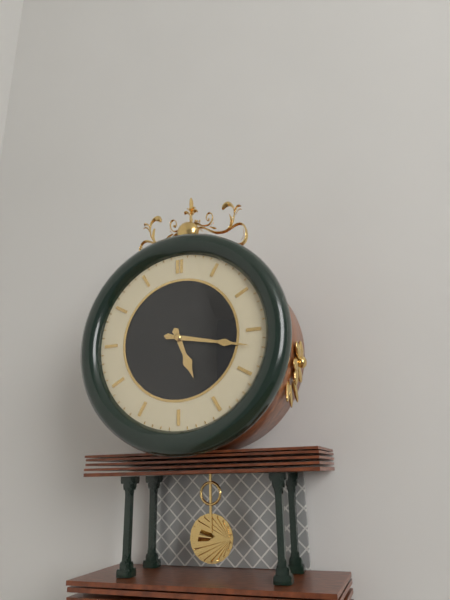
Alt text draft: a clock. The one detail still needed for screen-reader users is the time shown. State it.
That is 5:17
